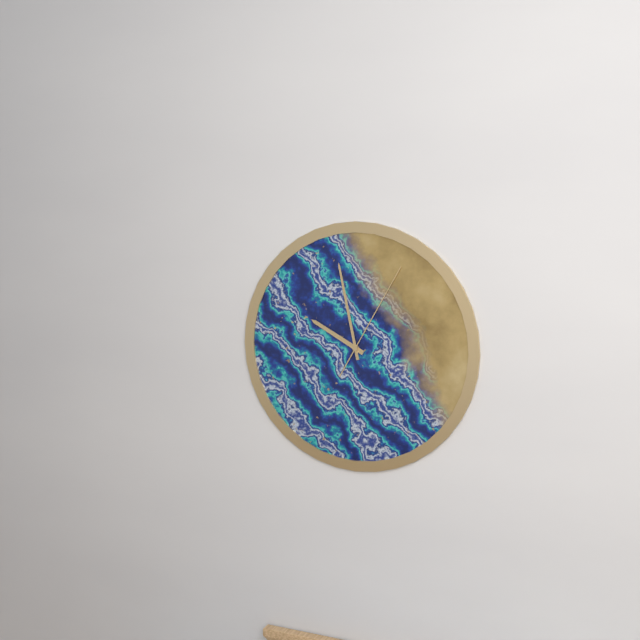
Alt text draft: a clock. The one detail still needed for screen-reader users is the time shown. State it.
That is 9:58:05
